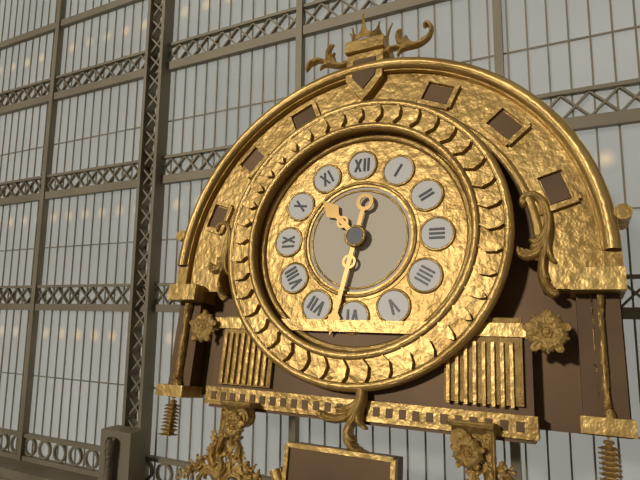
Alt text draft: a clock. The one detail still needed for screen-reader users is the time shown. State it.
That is 10:32
